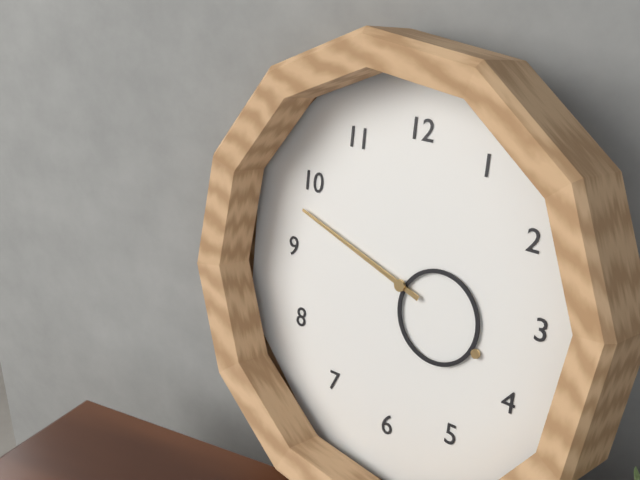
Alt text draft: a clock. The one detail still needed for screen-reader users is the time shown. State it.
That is 3:48
